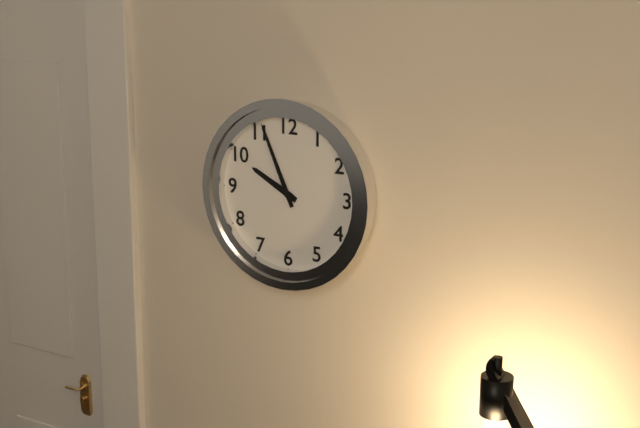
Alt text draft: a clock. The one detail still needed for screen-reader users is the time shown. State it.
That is 9:56
